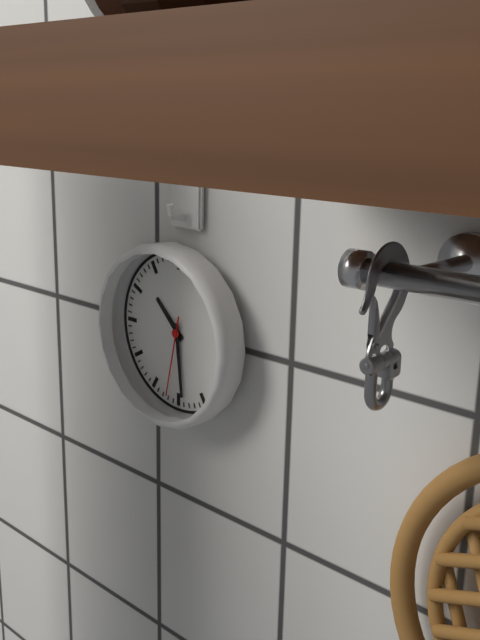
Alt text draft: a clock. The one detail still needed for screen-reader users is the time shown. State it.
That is 10:29:32
